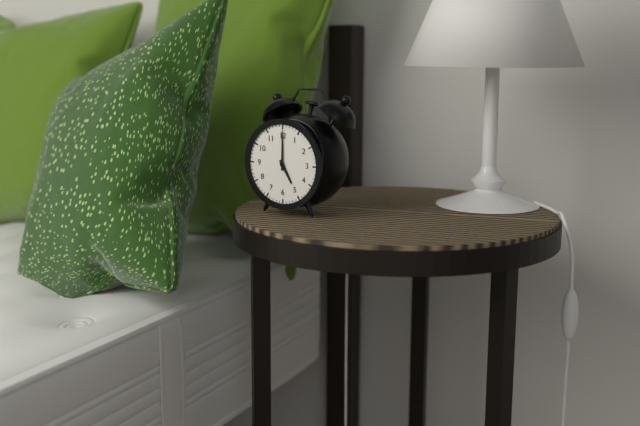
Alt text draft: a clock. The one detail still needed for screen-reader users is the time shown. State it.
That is 5:00
